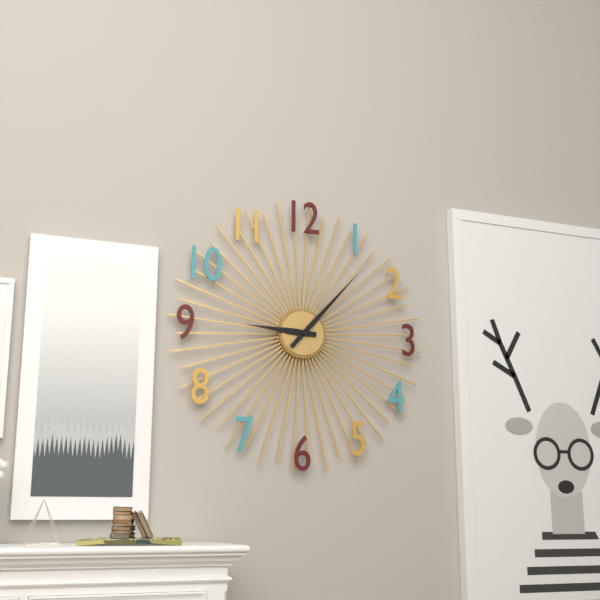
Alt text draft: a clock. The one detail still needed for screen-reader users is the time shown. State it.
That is 9:07
